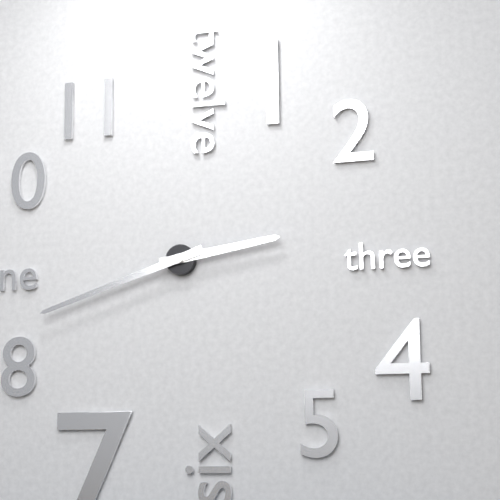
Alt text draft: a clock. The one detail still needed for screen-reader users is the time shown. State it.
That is 2:42
